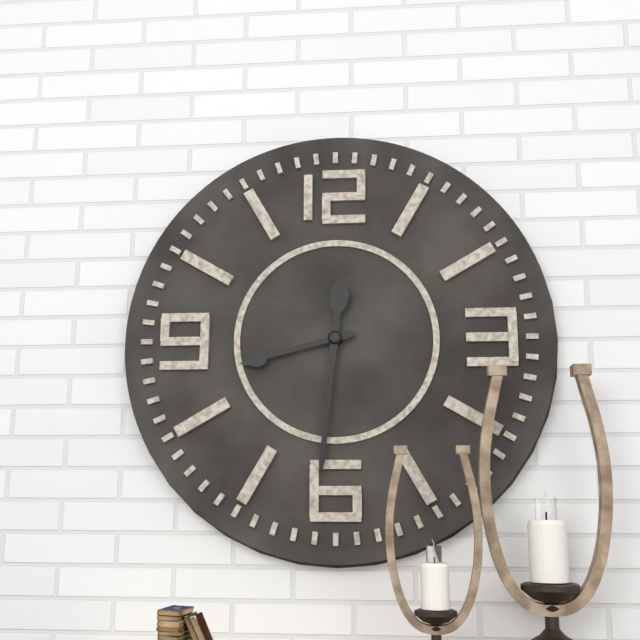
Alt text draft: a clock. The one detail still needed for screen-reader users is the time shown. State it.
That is 8:31
